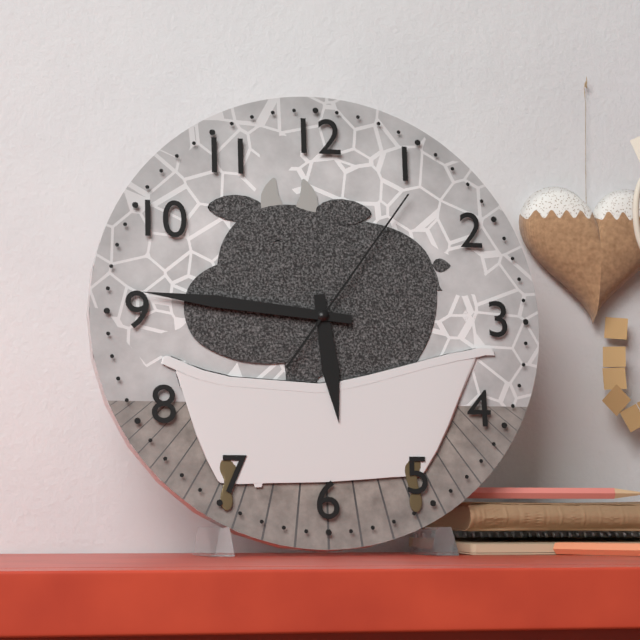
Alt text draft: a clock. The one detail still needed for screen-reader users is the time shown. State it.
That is 5:46:06
